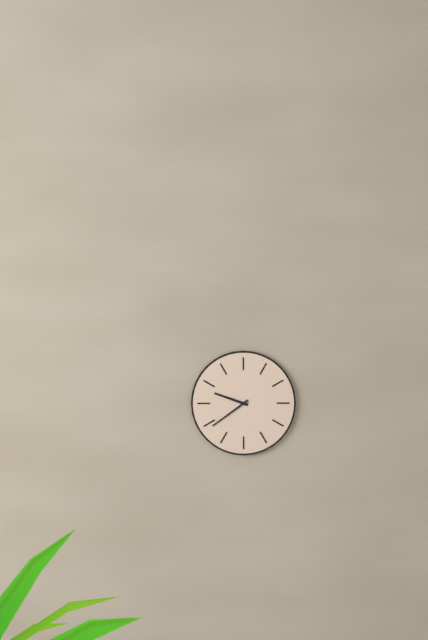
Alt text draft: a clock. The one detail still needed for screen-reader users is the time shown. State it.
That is 9:39
